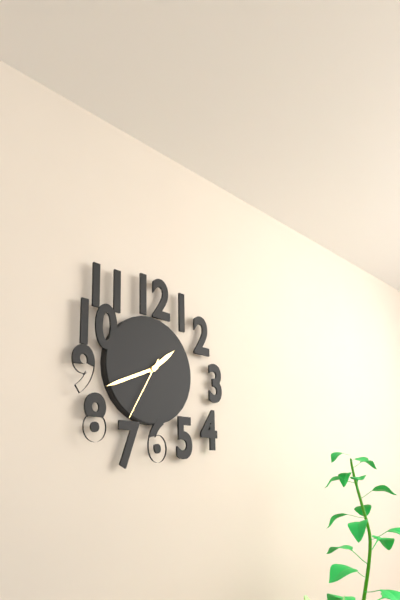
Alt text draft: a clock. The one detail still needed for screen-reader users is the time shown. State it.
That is 1:41:35
